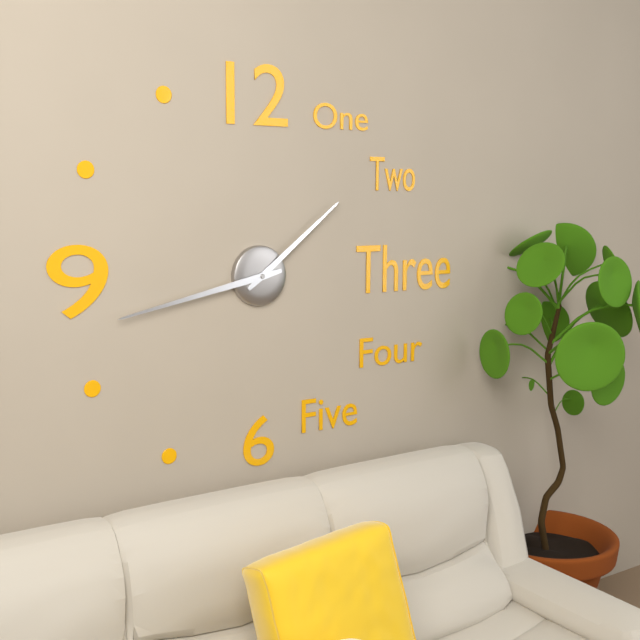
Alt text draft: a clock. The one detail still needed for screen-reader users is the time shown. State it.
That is 1:43
